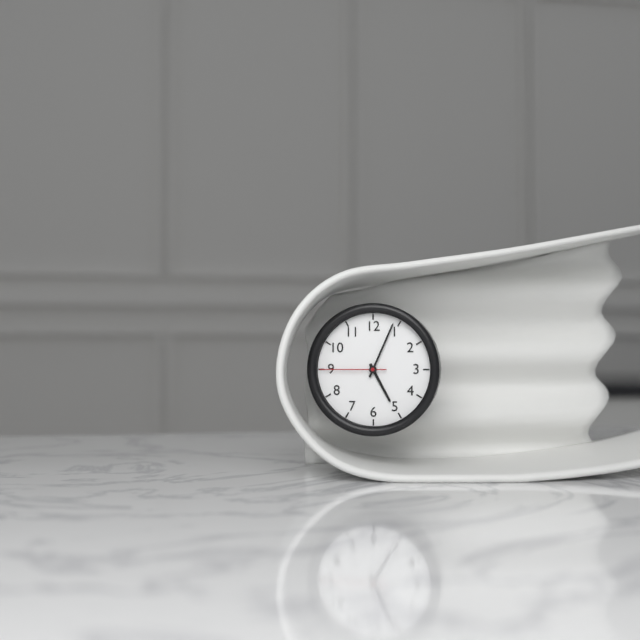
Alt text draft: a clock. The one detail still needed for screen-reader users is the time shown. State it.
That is 5:04:45
